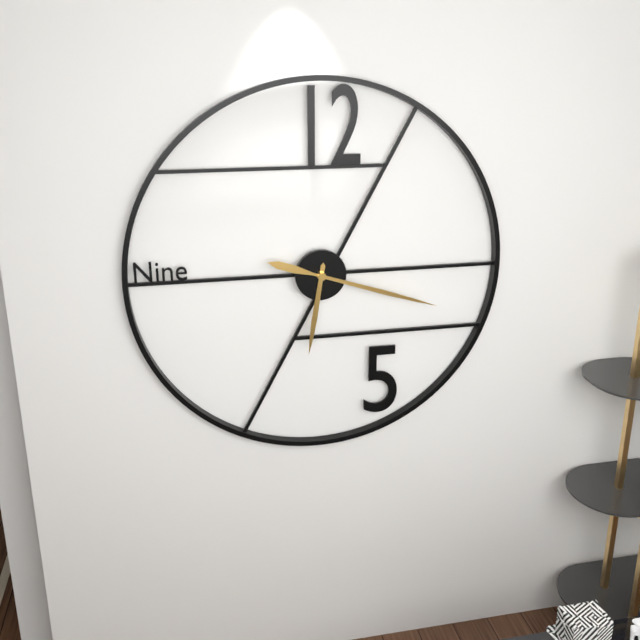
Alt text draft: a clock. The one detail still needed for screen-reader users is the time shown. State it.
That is 6:18
